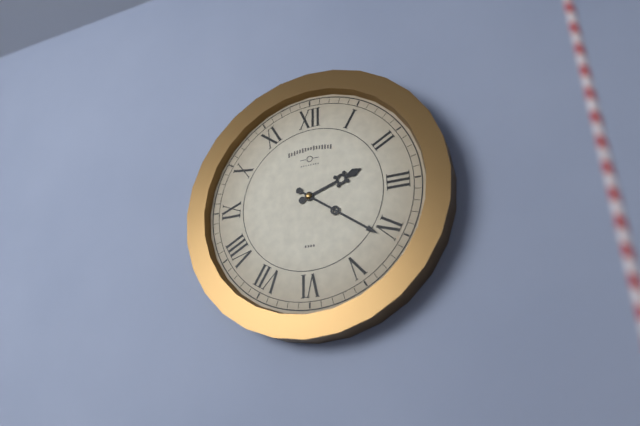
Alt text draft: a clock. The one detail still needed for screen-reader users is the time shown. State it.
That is 2:21
